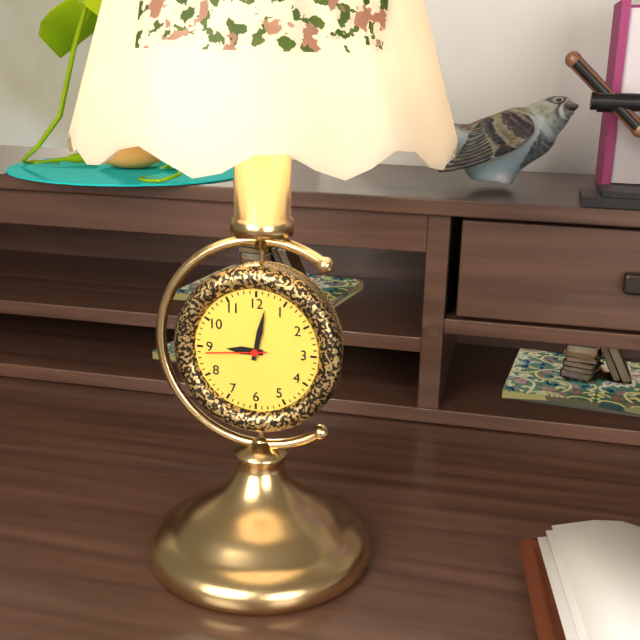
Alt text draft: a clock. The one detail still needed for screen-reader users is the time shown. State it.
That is 9:02:44
